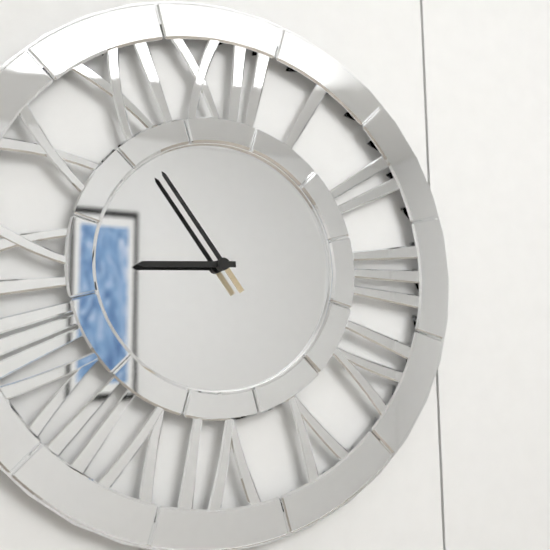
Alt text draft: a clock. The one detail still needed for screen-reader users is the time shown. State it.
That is 8:54
